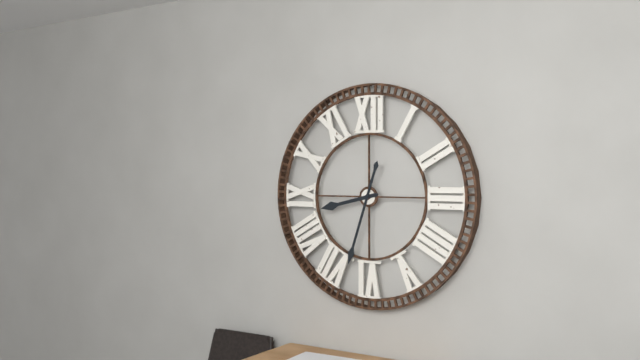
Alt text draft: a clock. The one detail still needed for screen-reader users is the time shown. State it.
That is 8:33
